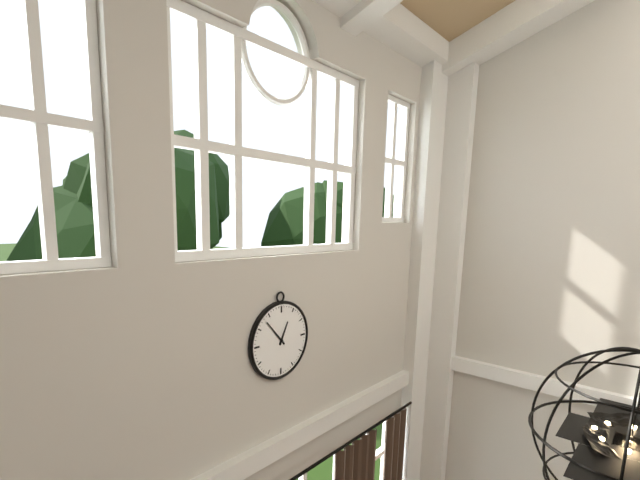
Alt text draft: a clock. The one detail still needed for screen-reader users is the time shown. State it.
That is 12:53
